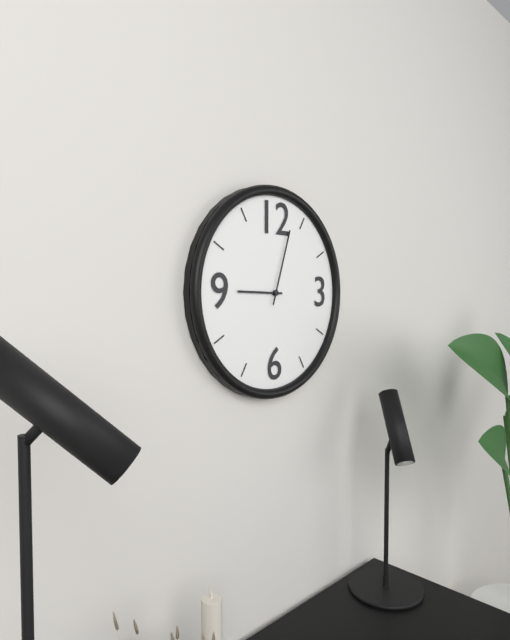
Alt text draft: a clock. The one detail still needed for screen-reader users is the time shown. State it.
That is 9:03
